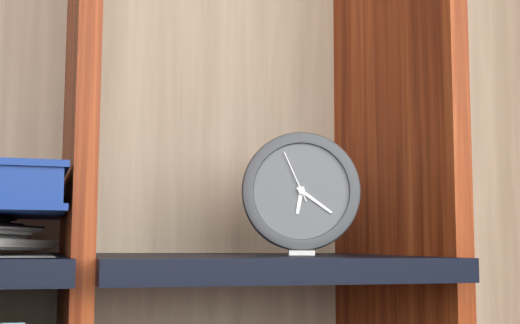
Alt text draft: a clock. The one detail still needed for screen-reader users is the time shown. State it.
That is 6:21:56
